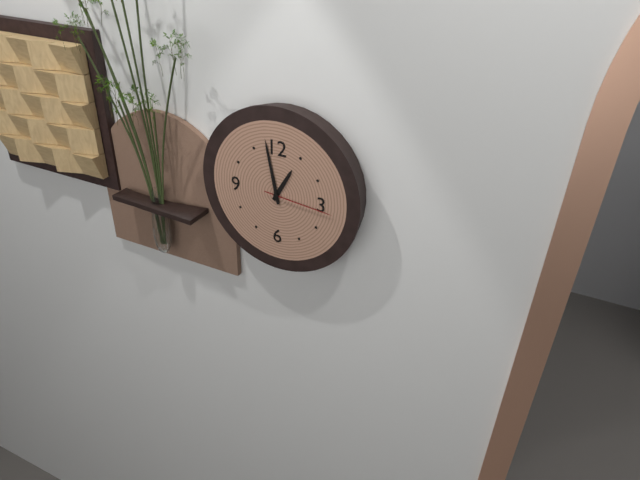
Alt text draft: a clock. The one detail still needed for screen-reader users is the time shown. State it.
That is 12:58:16
